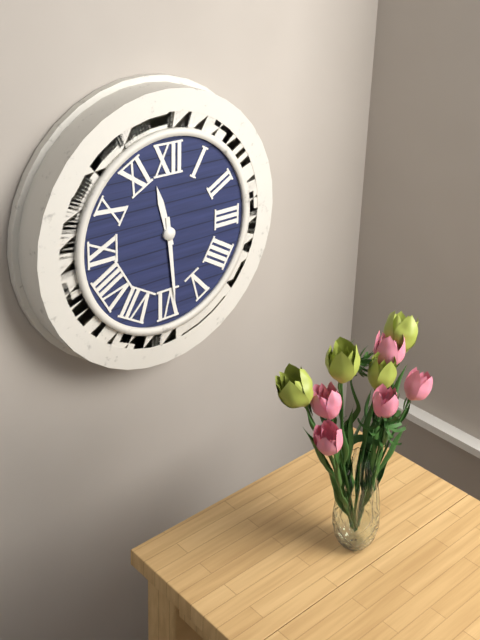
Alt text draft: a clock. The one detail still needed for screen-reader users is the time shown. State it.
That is 11:29
